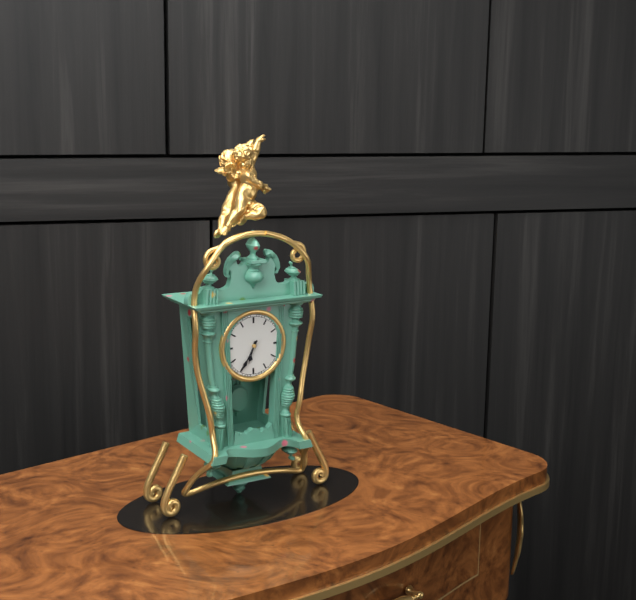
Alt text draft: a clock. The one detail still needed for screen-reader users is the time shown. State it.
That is 6:35
